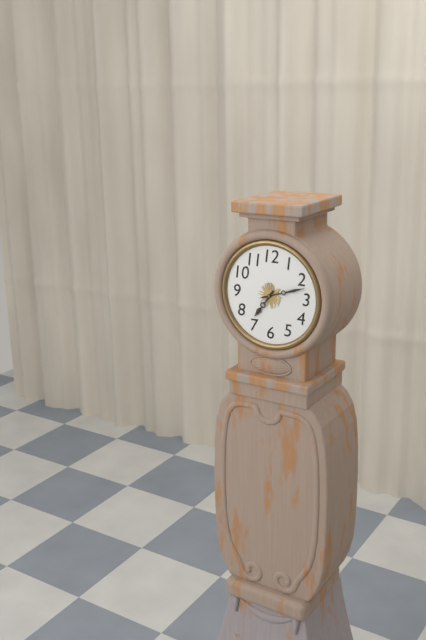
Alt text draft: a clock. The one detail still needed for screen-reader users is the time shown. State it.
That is 7:12
